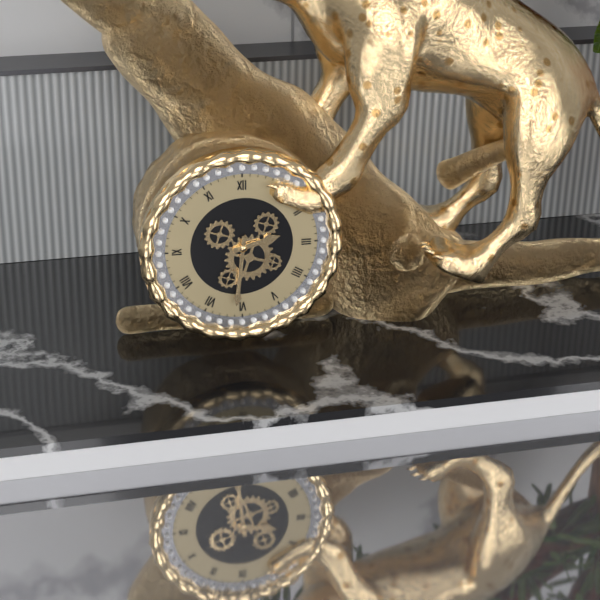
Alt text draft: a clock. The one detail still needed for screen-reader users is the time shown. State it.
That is 2:31
